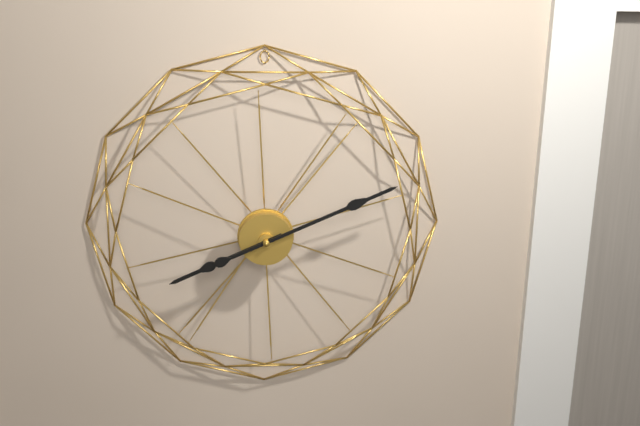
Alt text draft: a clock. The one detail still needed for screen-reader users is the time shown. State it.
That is 8:11
